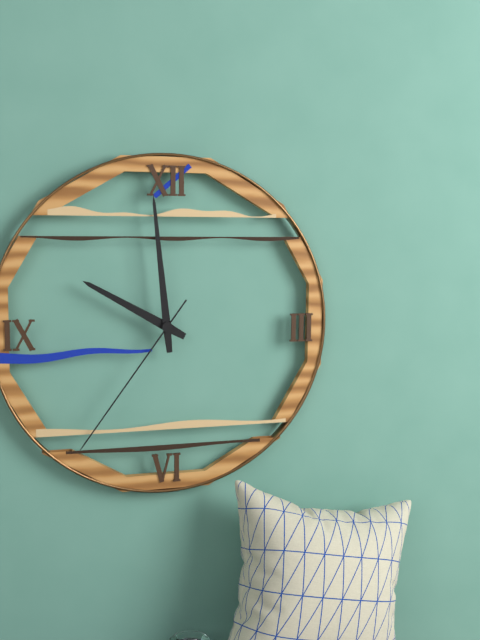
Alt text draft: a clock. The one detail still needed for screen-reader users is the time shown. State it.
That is 9:59:36
